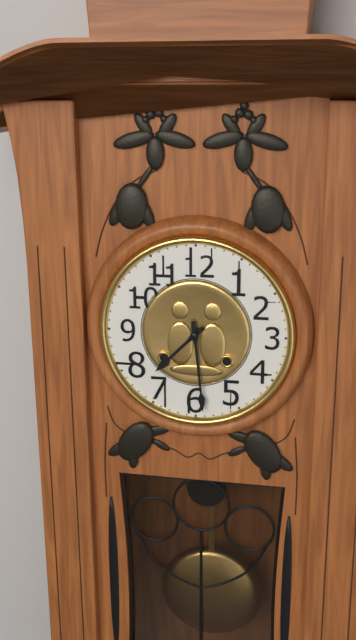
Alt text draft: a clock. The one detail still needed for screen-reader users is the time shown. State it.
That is 7:29
